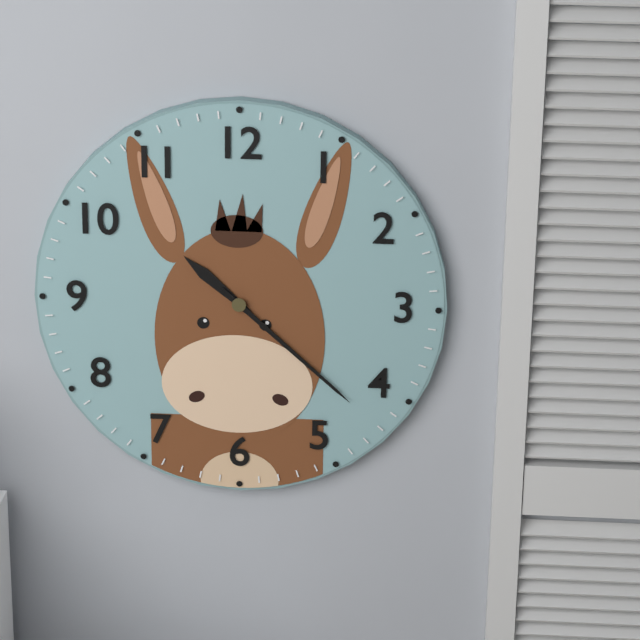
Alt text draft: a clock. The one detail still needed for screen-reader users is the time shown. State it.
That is 10:22
